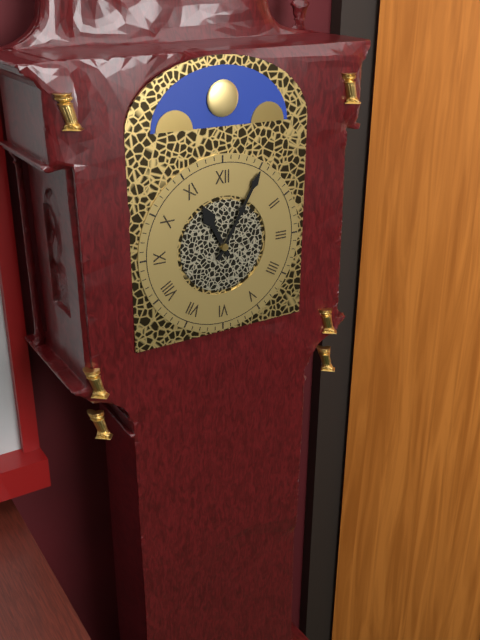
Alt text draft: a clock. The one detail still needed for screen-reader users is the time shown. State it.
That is 11:05
